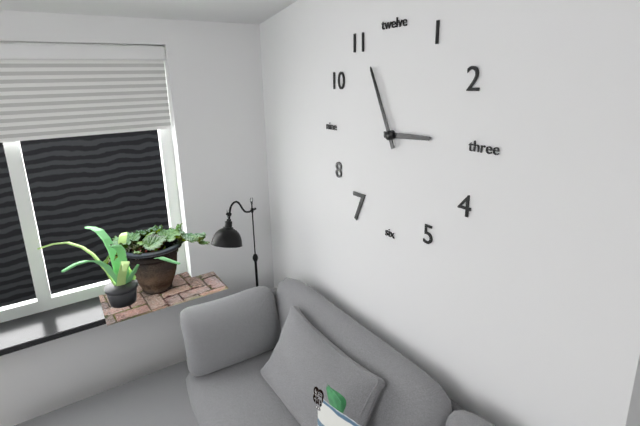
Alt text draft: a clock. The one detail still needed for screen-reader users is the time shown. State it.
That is 2:56
